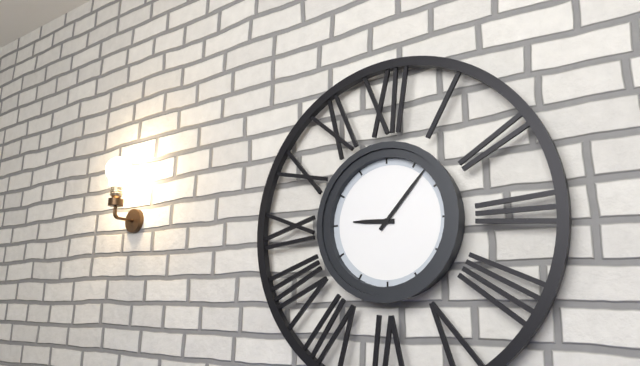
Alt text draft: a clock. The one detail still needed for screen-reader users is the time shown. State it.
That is 9:07
